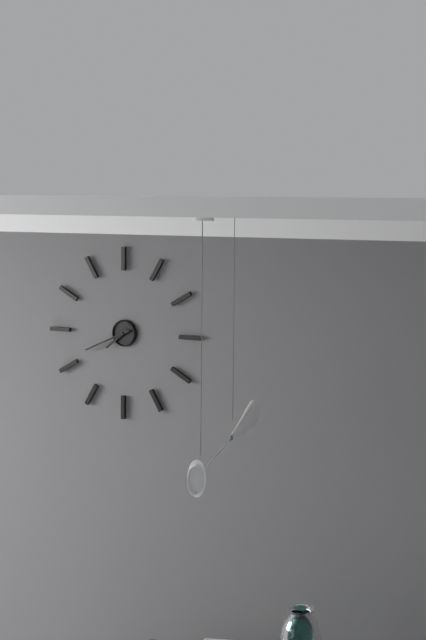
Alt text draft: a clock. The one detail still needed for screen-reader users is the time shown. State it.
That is 7:41
